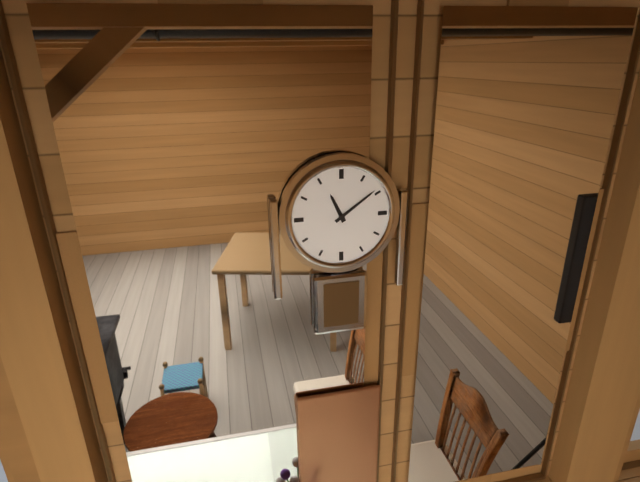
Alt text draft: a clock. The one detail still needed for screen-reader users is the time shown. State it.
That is 11:09
